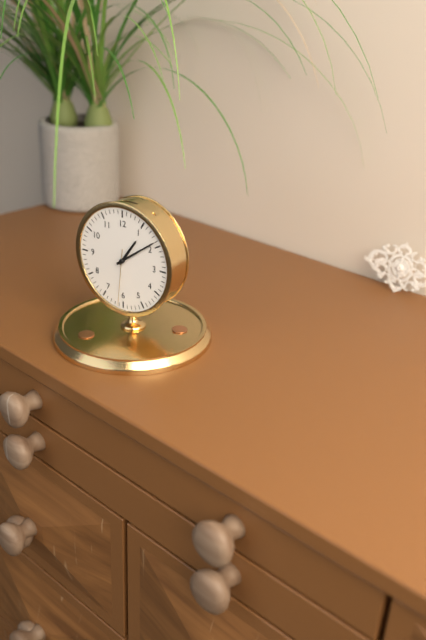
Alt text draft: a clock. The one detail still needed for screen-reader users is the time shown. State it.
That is 1:09:31
